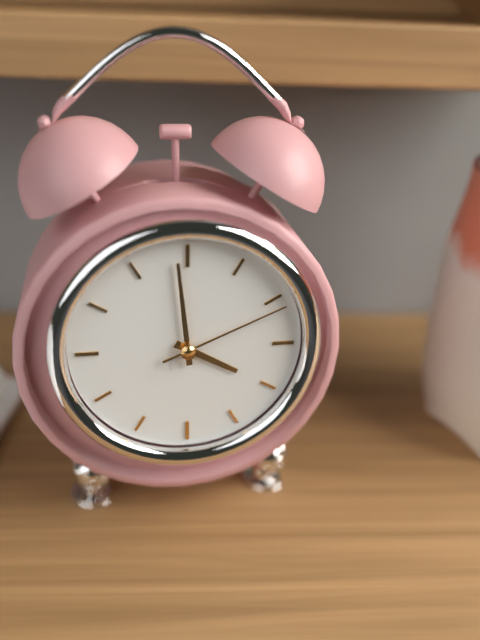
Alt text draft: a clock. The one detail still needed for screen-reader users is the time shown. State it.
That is 3:59:11
